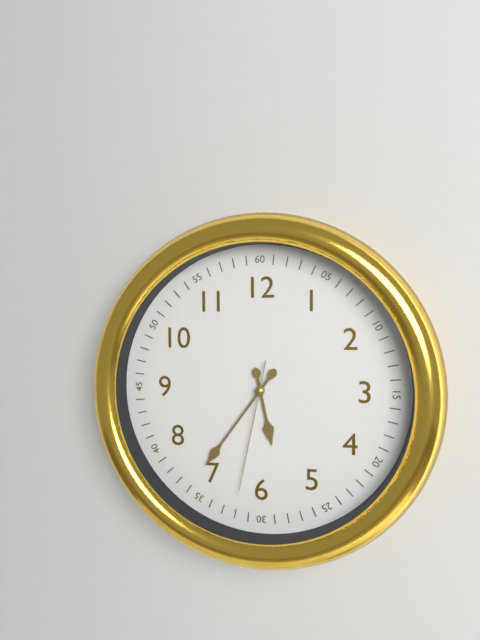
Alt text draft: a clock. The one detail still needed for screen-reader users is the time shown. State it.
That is 5:36:32
